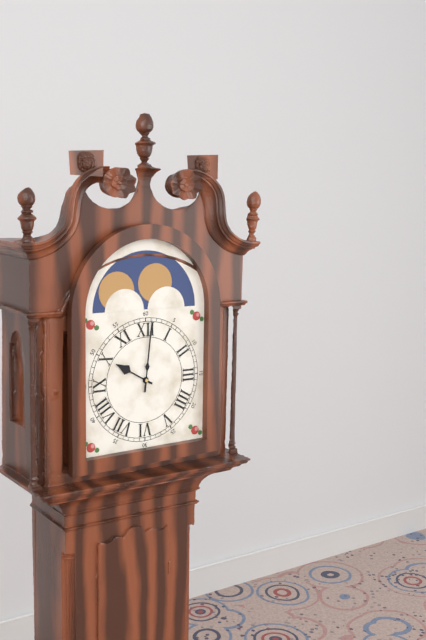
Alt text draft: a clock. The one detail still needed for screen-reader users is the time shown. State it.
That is 10:01
